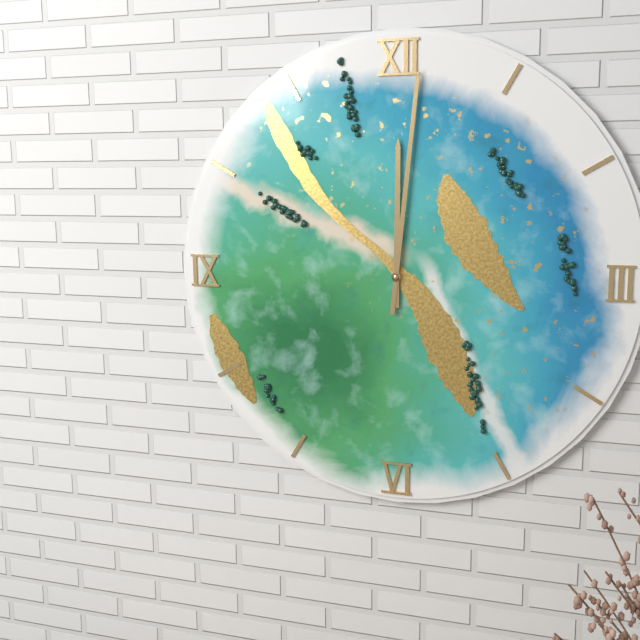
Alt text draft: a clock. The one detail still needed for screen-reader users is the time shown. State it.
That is 12:01
